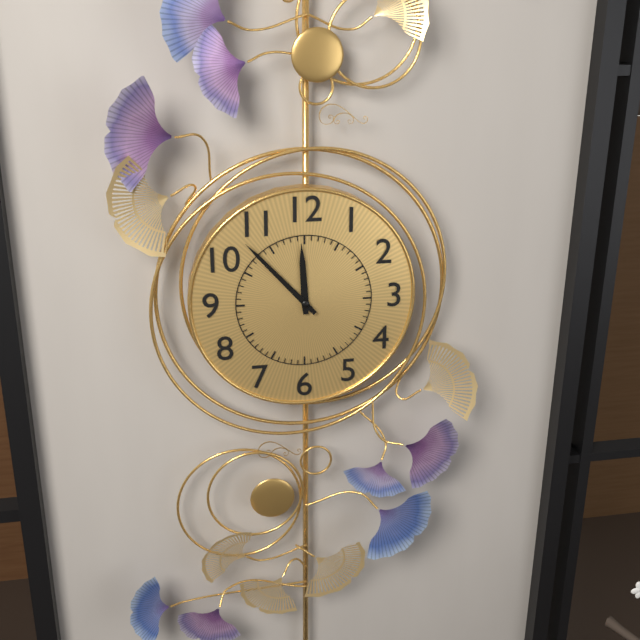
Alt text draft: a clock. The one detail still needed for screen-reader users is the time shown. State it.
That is 11:53
